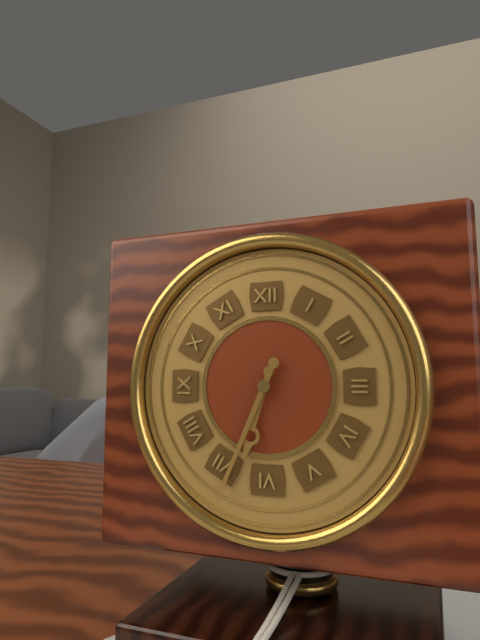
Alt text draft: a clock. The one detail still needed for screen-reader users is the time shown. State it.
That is 6:34
